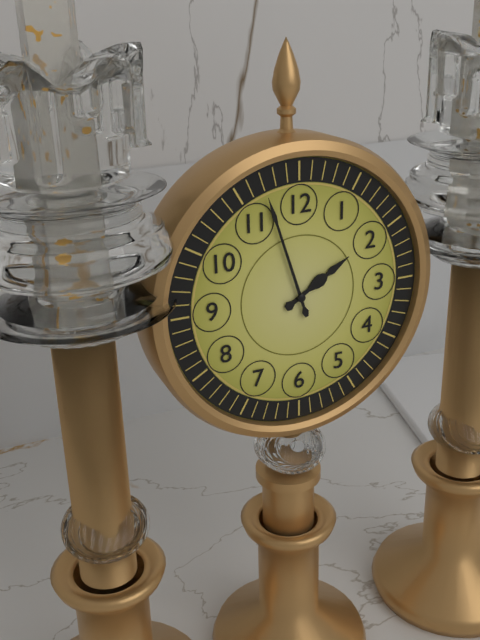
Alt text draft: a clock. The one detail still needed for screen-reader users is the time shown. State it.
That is 1:57
